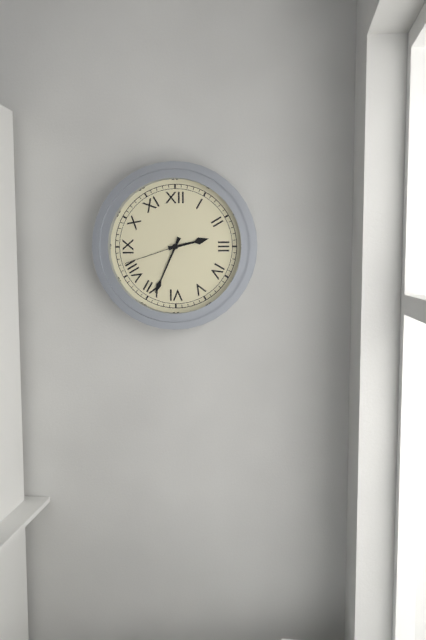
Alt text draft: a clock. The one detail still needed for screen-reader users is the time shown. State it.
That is 2:34:42
